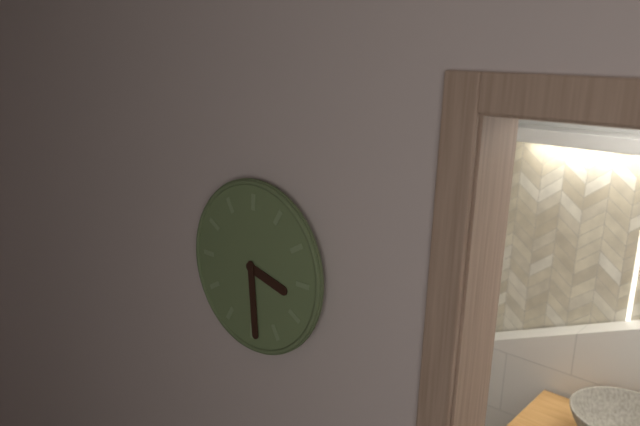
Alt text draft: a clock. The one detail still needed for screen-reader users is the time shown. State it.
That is 3:29
